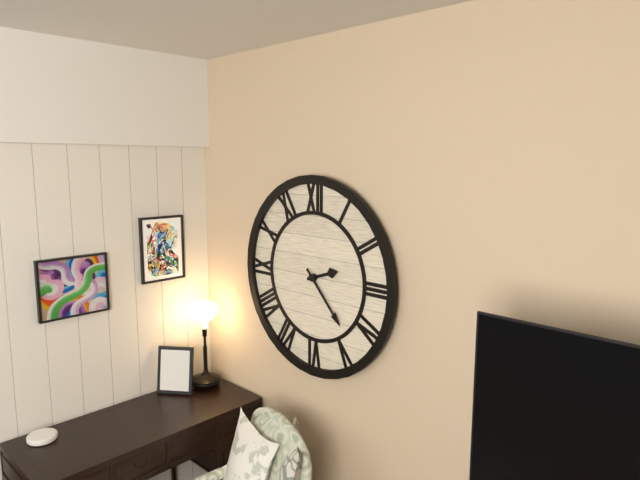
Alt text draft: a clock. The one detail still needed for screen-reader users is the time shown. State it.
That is 2:23
